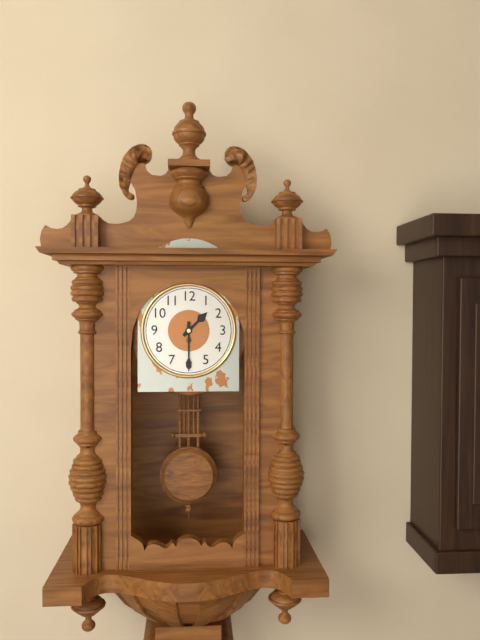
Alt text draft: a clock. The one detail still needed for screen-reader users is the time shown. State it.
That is 1:30
